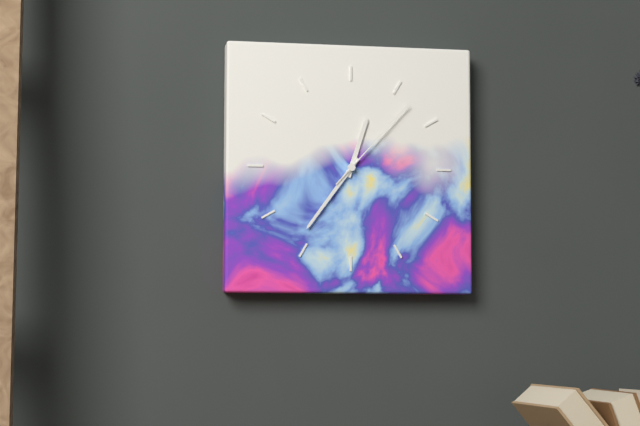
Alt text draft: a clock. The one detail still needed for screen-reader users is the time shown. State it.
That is 12:36:07
